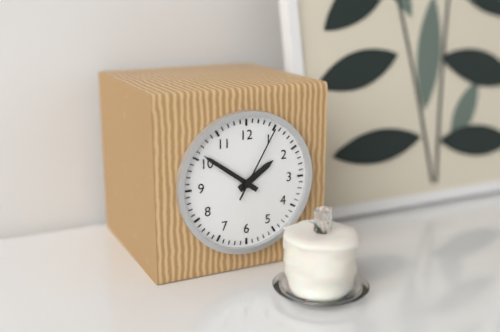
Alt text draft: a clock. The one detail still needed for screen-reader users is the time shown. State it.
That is 1:51:05
